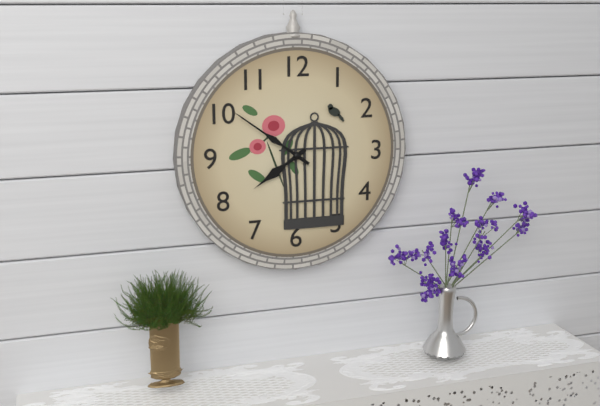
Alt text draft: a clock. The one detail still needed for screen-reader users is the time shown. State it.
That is 7:51
